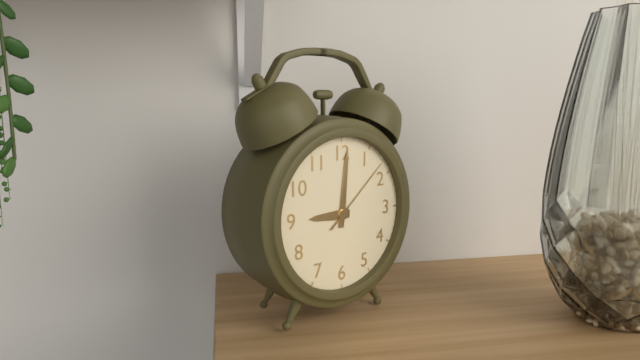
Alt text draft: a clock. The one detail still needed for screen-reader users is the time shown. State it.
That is 9:01:08
